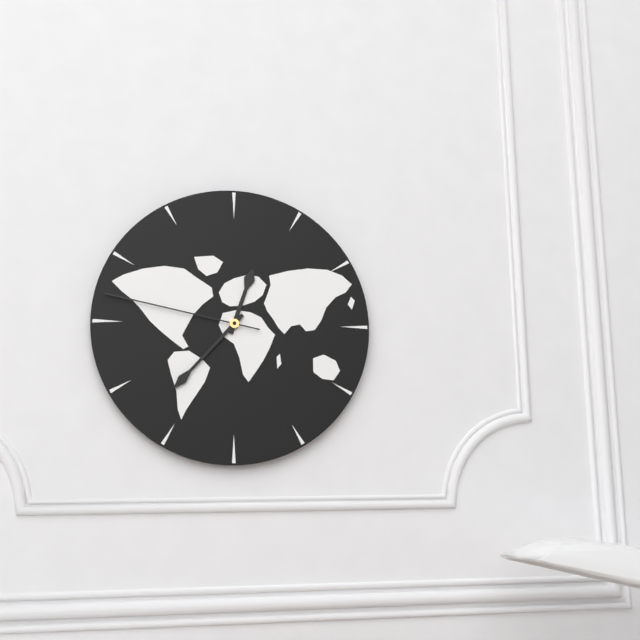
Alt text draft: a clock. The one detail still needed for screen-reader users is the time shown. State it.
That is 12:37:47
